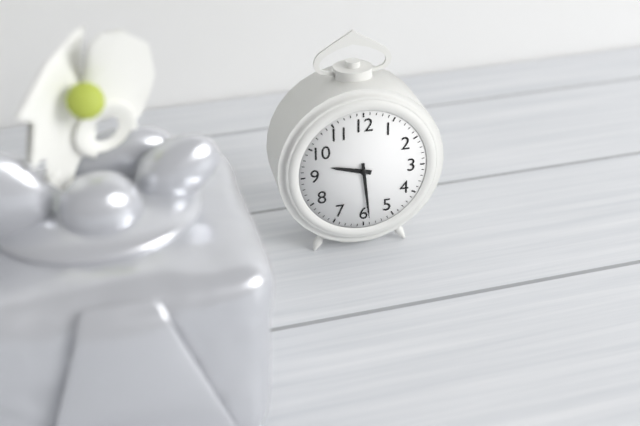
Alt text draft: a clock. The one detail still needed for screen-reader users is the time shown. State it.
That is 9:29
